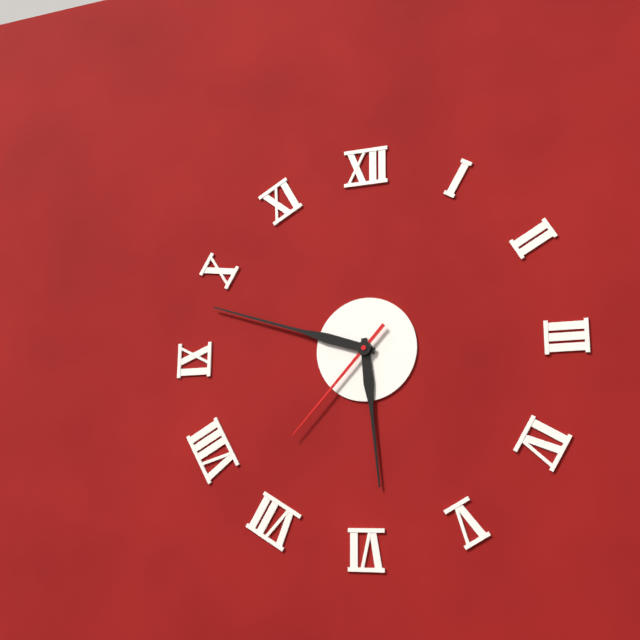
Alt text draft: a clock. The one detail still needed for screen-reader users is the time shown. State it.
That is 5:48:37
